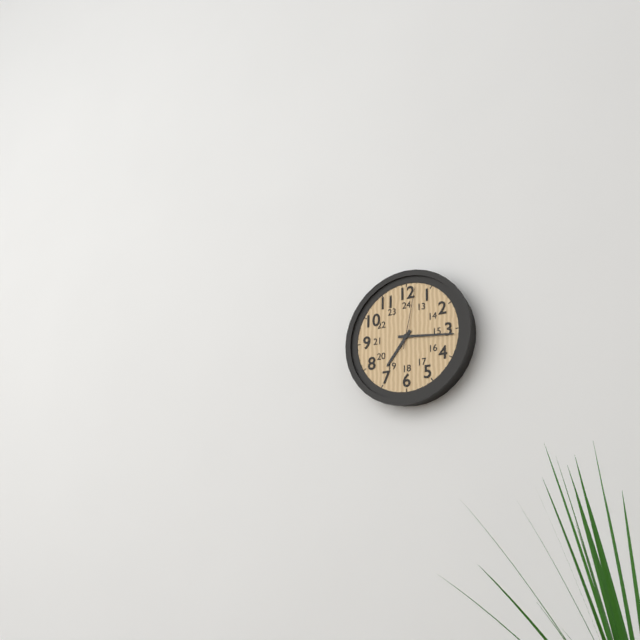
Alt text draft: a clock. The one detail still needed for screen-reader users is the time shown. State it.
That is 7:16:02
